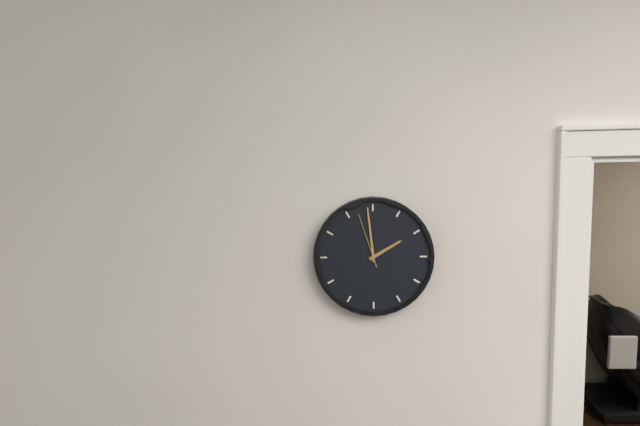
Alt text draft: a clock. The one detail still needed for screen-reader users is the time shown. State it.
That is 1:59:57
